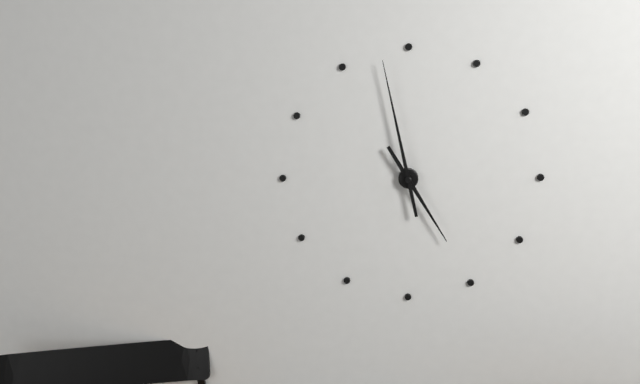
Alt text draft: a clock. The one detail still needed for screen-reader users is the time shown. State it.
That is 4:58
